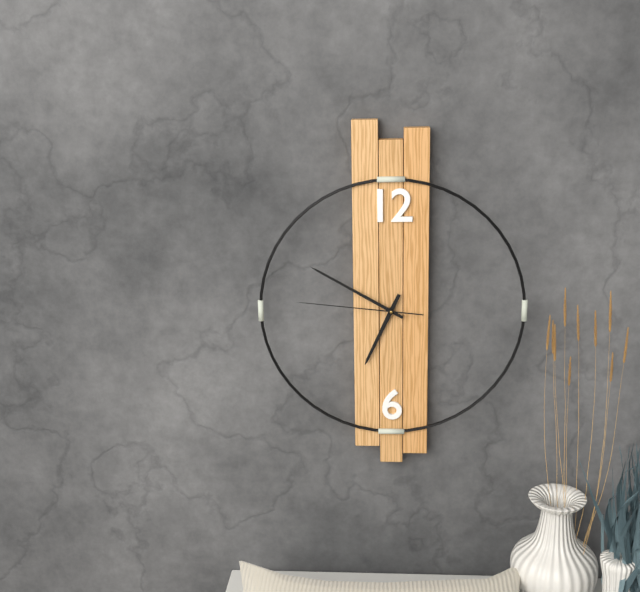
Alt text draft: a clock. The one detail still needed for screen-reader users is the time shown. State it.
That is 6:50:46
